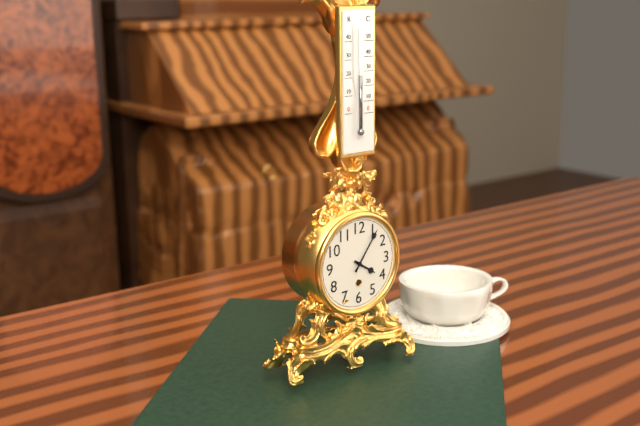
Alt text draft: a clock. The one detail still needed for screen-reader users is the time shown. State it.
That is 4:06
